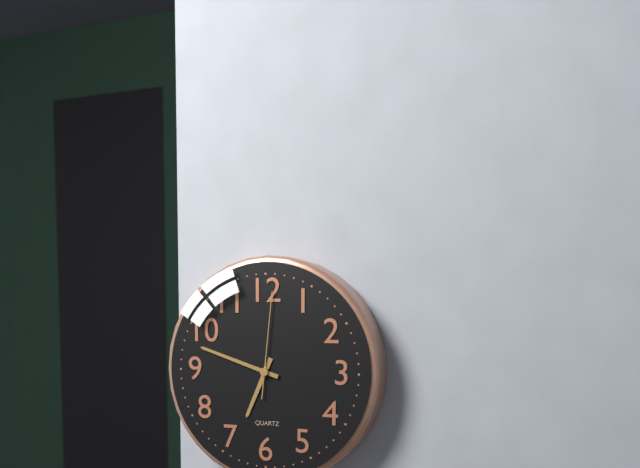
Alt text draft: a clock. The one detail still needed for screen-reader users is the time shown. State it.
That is 6:48:01
